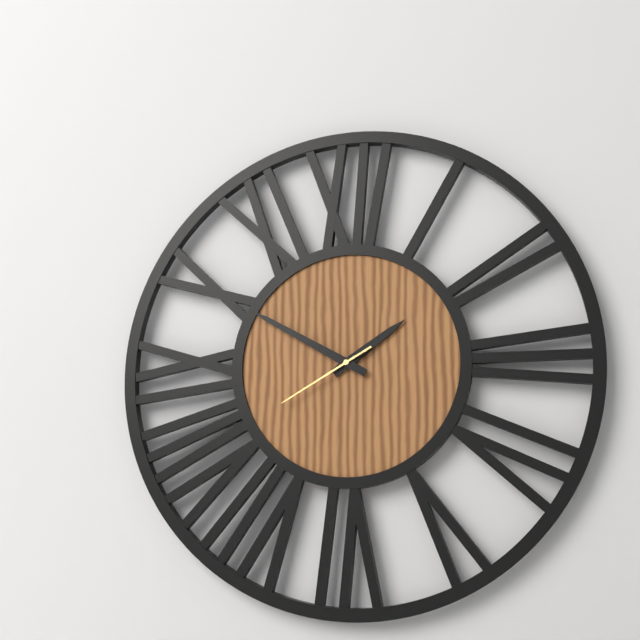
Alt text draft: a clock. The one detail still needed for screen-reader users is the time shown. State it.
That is 1:50:40
